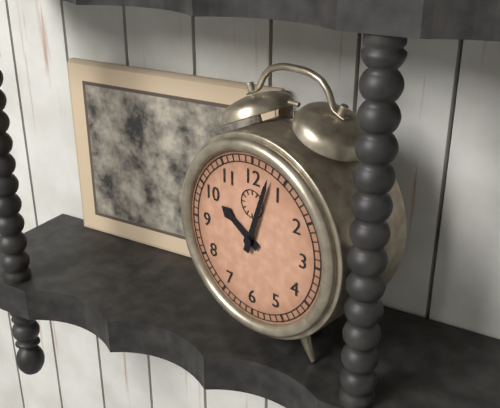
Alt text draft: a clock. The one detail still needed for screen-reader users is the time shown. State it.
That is 10:03
